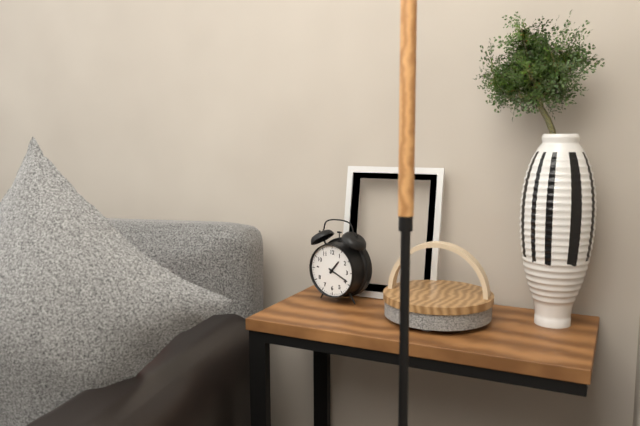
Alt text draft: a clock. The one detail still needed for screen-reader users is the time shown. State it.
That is 1:19
